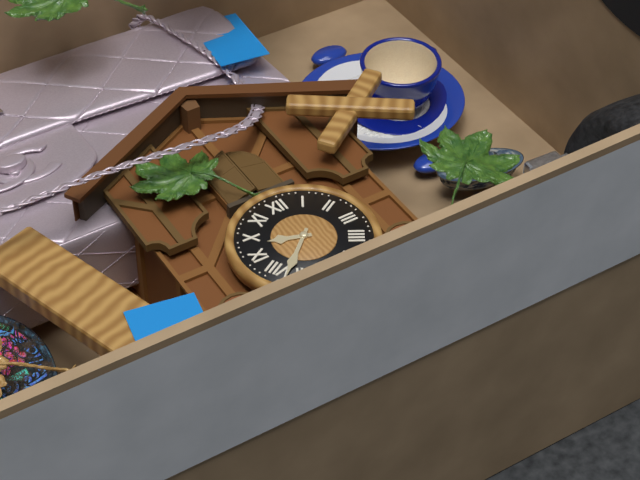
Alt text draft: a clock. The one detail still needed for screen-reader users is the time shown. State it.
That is 9:38
